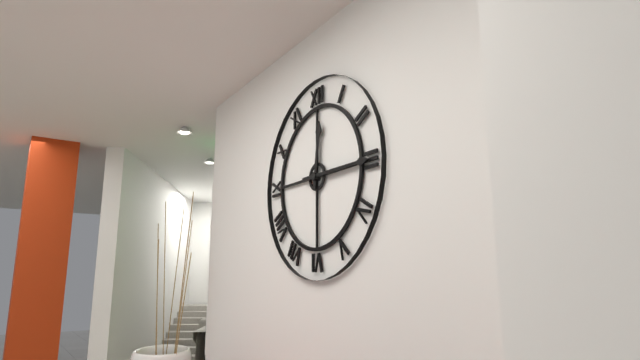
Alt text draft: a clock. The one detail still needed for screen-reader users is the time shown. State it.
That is 12:15
